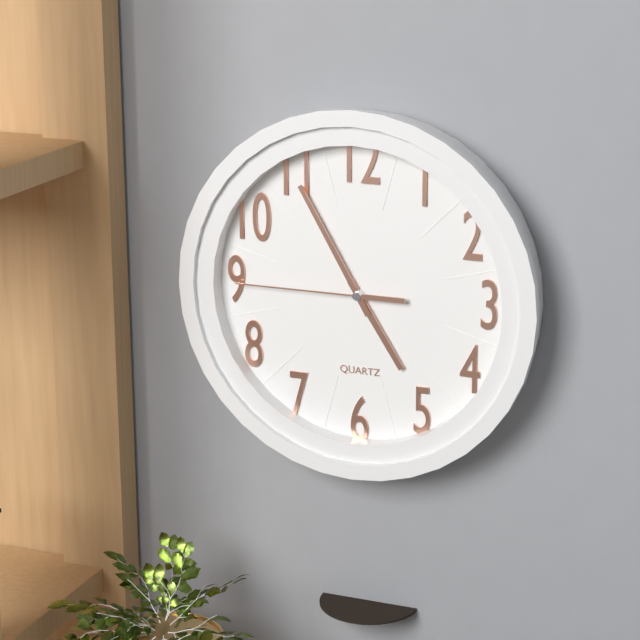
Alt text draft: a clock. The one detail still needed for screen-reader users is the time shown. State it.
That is 4:55:45
